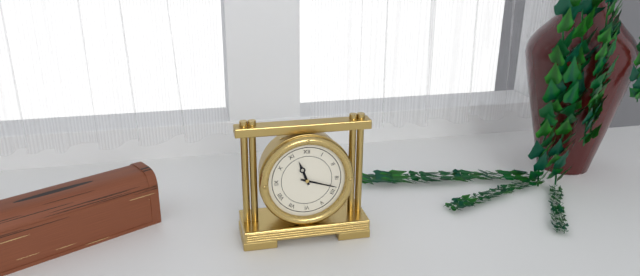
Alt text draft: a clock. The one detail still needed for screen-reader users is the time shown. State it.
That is 11:18
